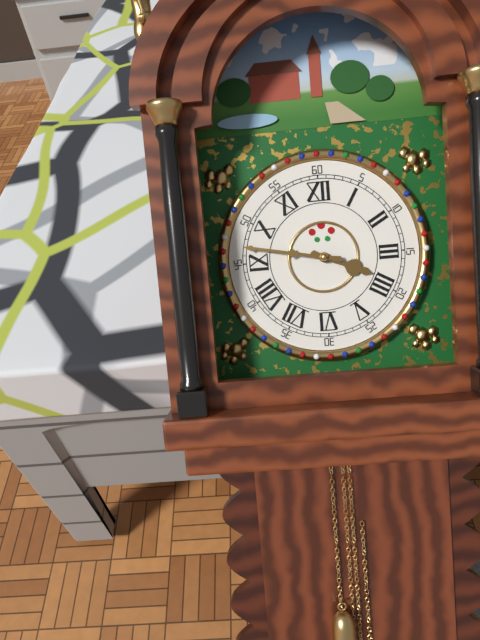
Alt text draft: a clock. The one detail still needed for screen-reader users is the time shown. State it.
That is 3:47
